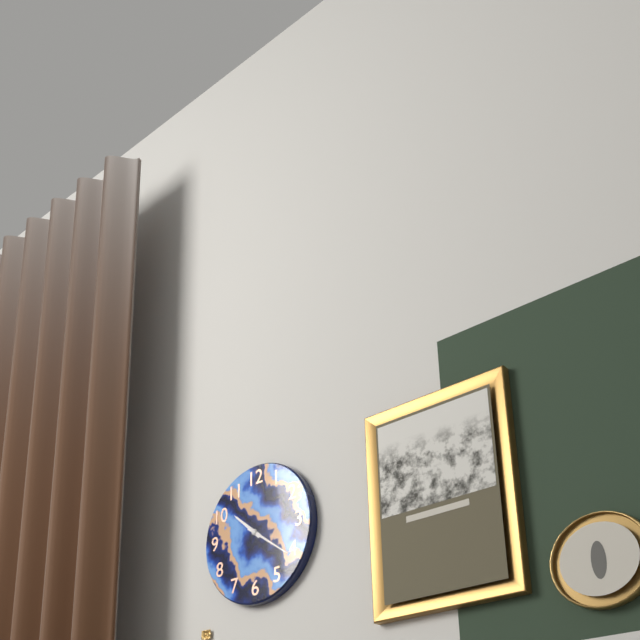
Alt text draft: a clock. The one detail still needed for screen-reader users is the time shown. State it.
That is 10:21
